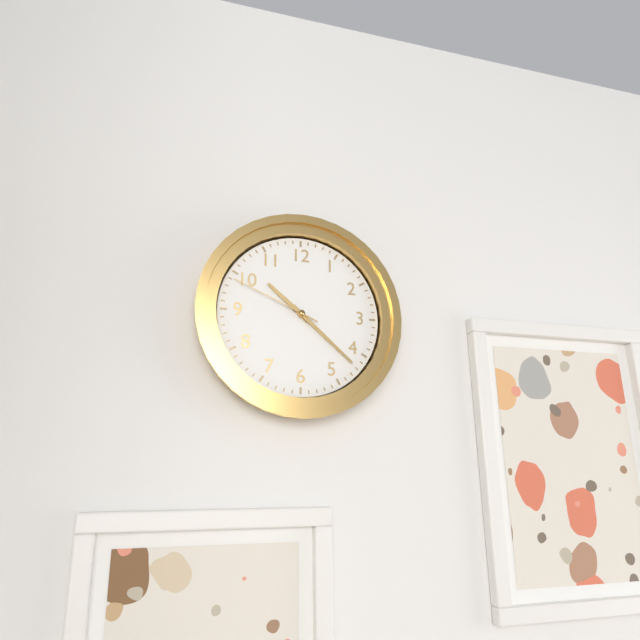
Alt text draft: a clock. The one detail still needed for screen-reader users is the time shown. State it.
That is 10:22:49
